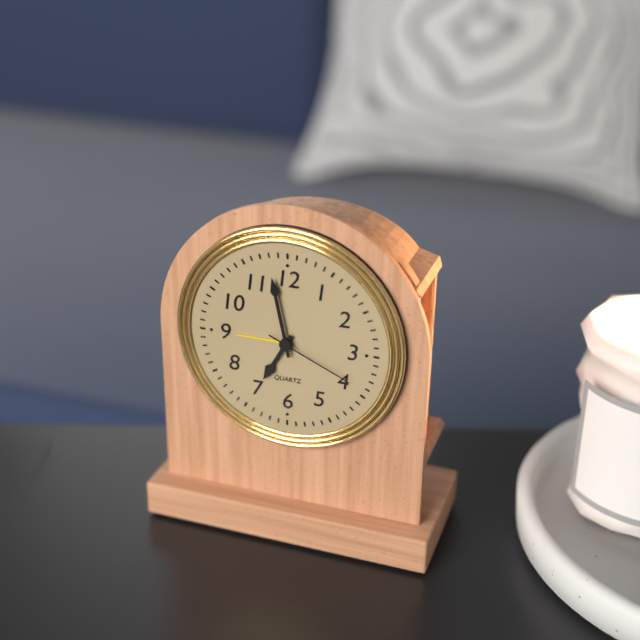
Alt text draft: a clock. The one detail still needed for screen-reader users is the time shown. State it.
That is 6:58:19
